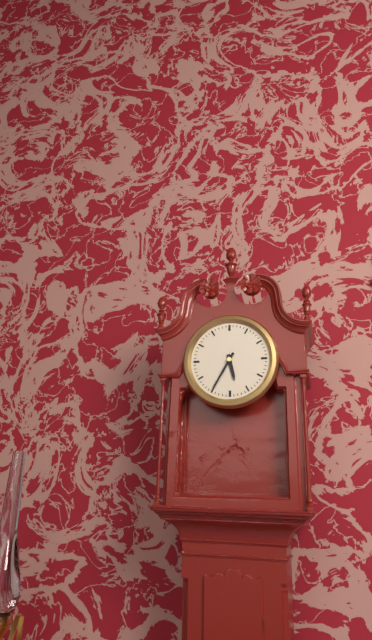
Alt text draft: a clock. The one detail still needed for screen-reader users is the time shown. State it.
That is 5:35
